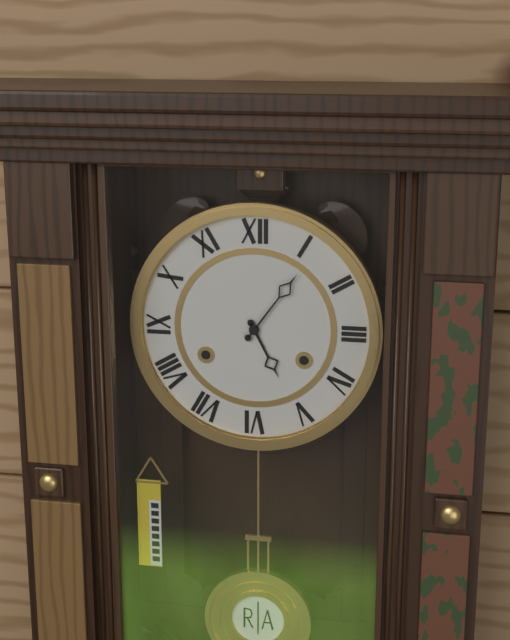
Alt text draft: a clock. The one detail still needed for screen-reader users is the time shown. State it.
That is 5:06
